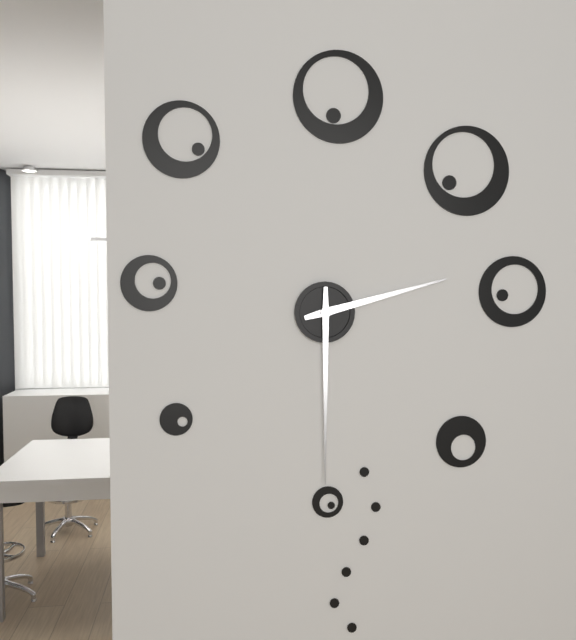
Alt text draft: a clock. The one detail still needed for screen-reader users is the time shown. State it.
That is 2:30
